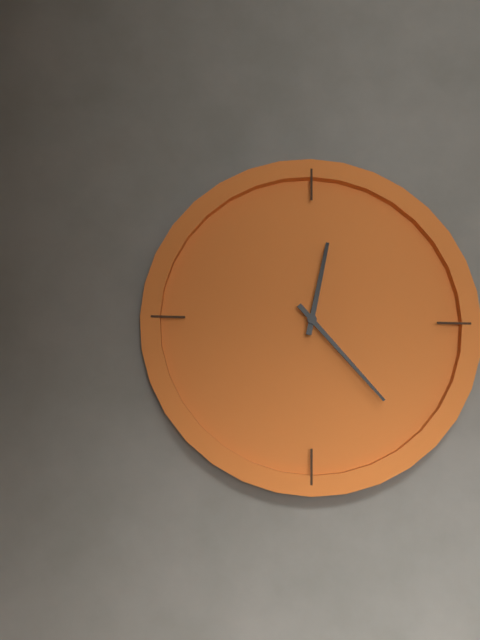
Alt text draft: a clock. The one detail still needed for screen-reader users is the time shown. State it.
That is 12:23
